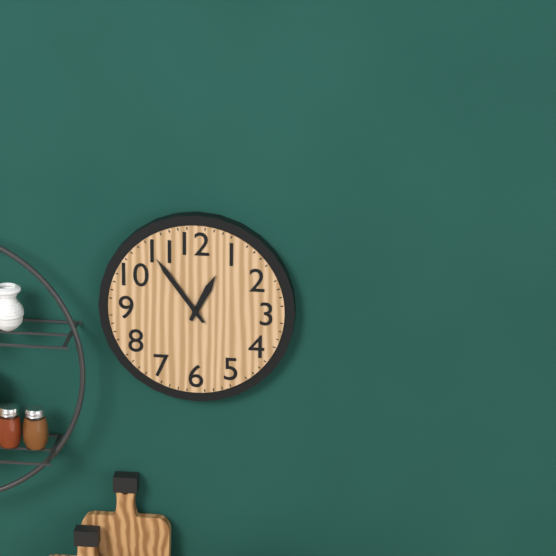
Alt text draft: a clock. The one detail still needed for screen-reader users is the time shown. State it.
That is 12:54
